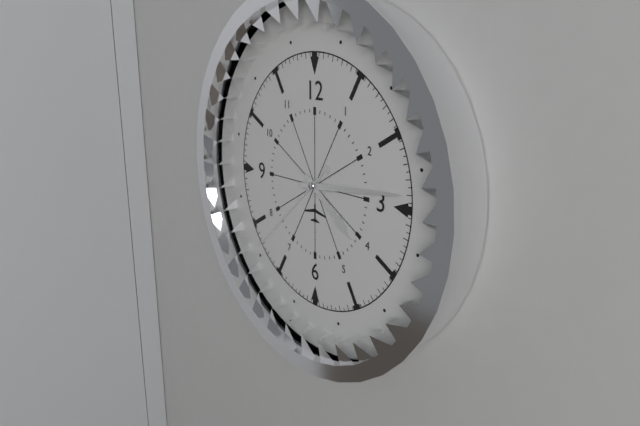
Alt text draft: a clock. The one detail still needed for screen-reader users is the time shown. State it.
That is 4:14:38
